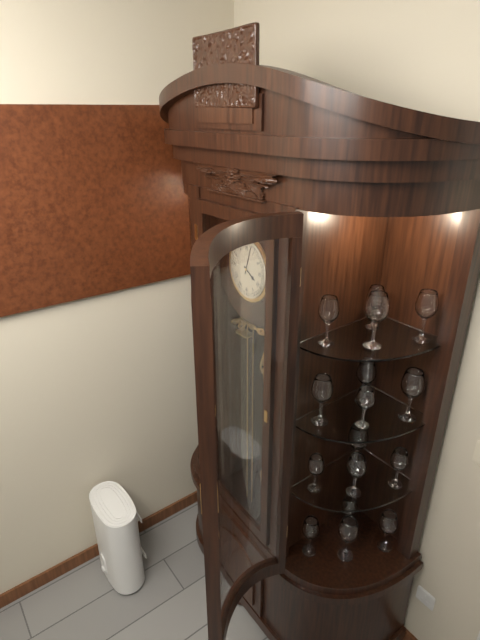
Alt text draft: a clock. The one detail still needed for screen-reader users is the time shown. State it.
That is 4:03
